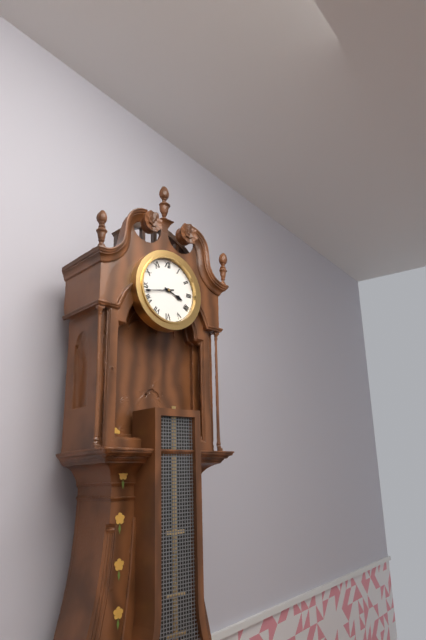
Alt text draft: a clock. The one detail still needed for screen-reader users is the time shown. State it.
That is 3:43
